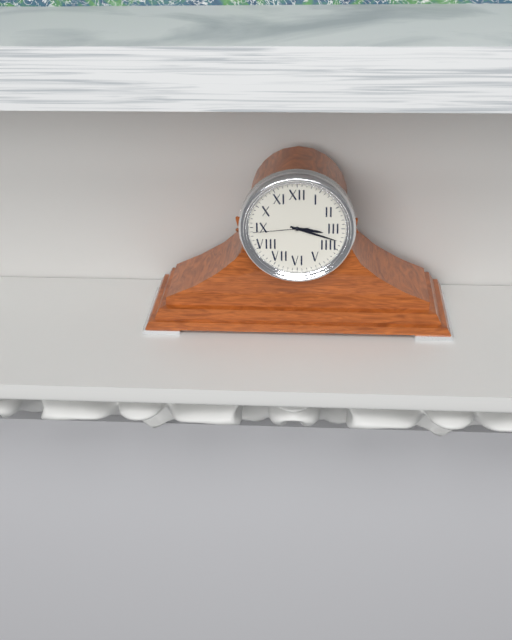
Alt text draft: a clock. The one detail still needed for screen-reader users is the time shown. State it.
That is 3:18:44
